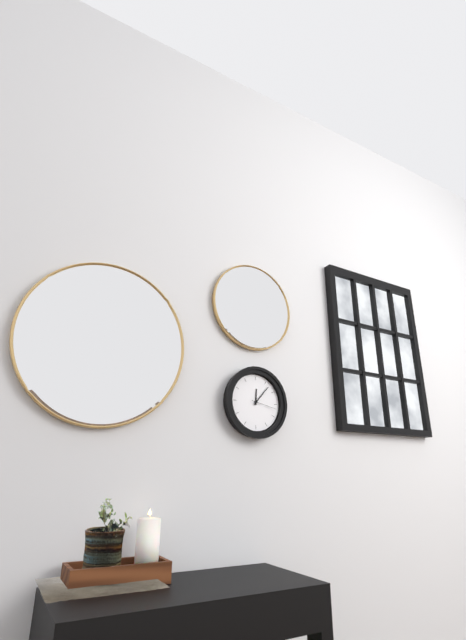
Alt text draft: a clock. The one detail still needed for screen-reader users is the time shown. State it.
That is 12:07
